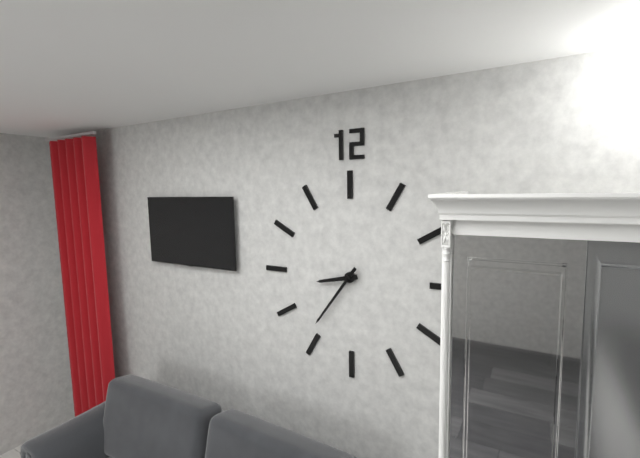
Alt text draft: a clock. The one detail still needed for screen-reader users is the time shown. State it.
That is 8:36
